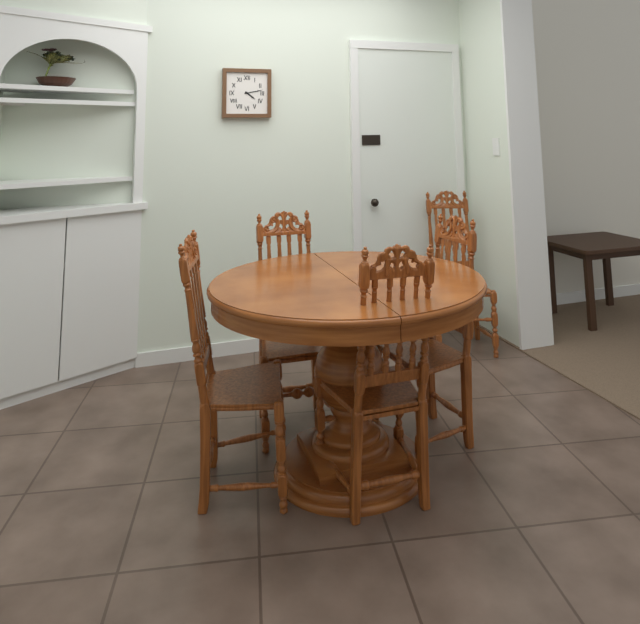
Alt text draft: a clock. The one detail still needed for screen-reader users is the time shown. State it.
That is 4:13
